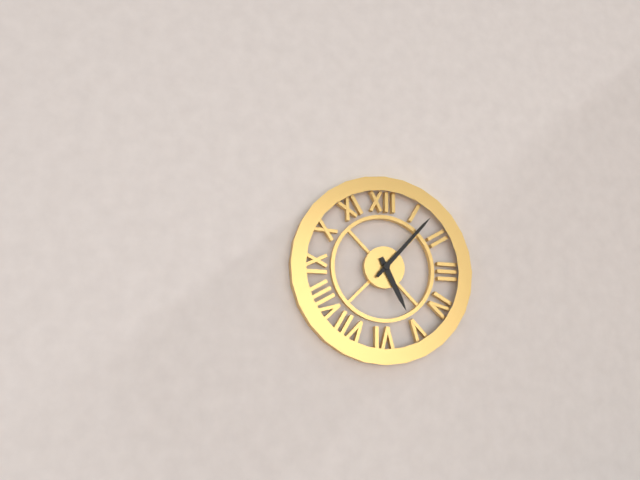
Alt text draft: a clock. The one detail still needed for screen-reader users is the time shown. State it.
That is 5:07
